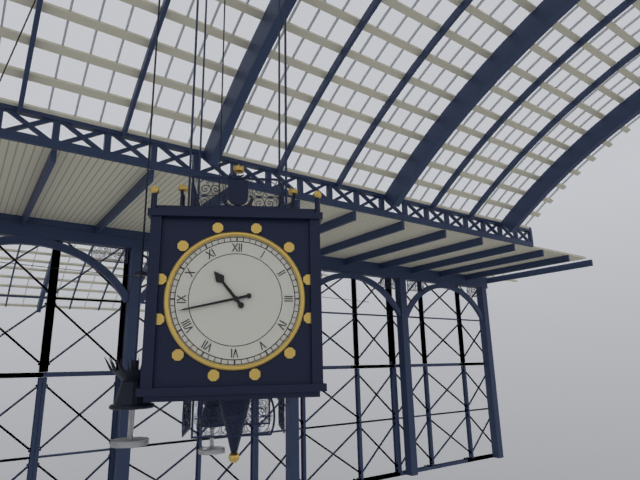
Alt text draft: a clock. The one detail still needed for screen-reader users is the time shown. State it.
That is 10:43
